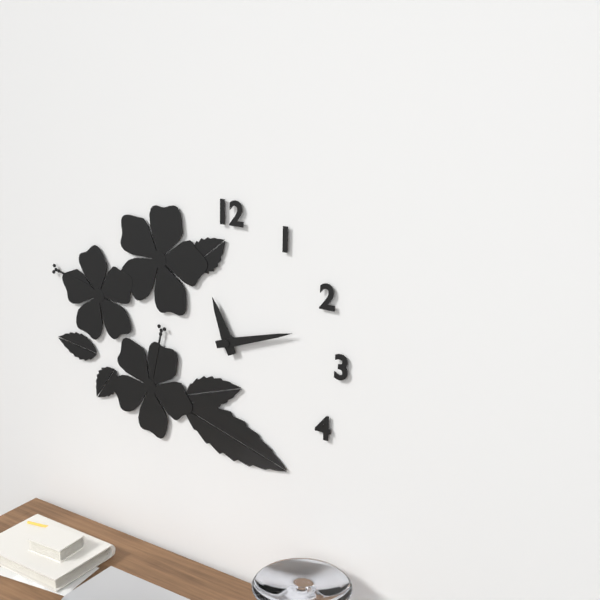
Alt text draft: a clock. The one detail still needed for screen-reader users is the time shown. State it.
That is 11:12
